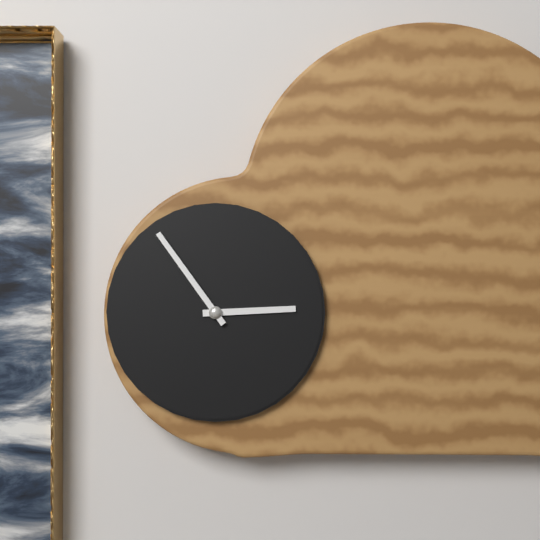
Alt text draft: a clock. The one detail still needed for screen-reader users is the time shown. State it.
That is 2:54
